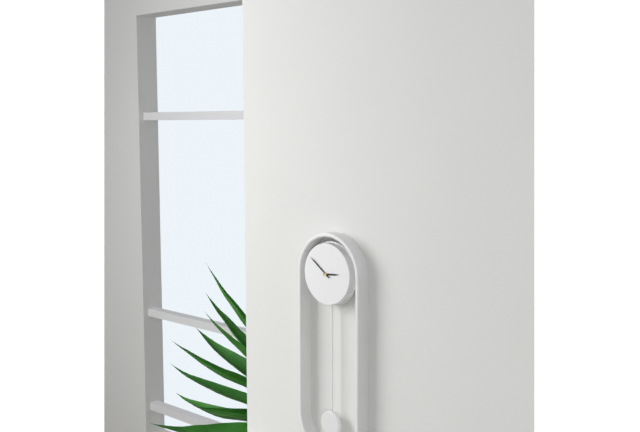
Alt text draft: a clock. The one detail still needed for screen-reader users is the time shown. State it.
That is 2:51
